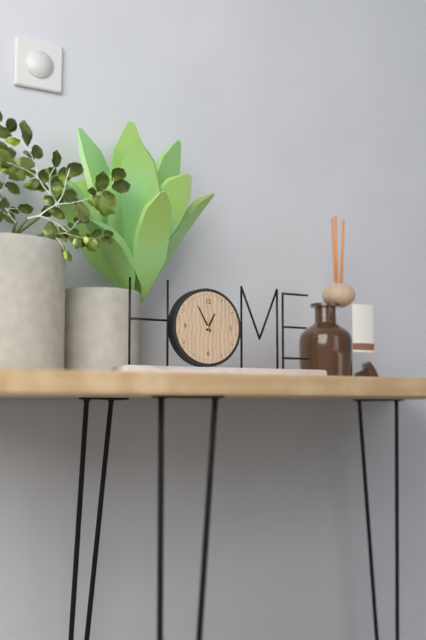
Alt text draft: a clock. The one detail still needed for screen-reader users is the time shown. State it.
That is 12:55
